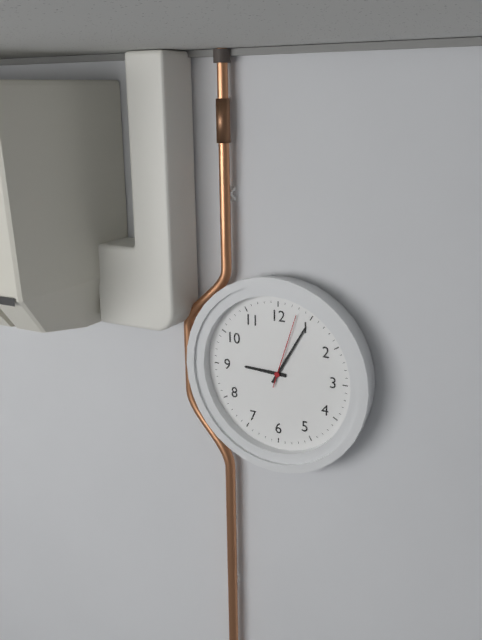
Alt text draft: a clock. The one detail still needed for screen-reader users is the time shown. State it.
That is 9:05:03
